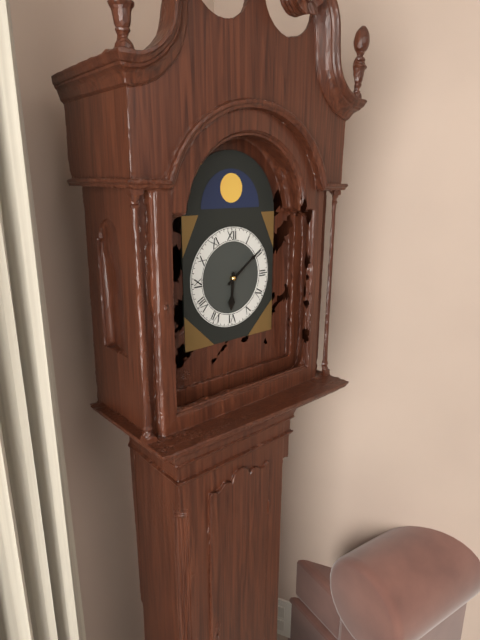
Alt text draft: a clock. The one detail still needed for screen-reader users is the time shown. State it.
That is 6:09
